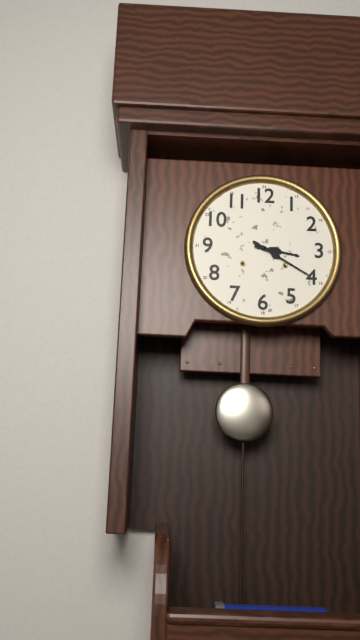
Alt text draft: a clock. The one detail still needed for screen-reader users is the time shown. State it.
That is 3:20
